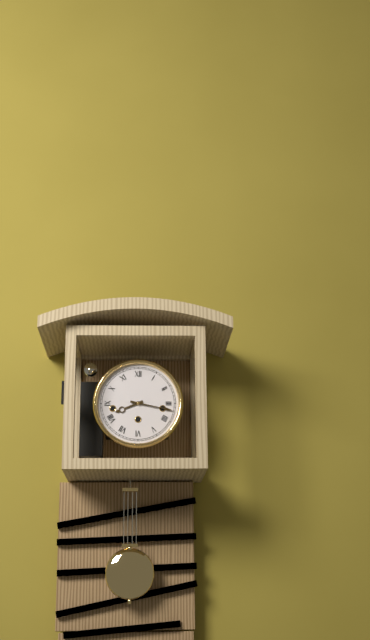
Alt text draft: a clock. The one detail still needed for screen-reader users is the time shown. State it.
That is 8:17
